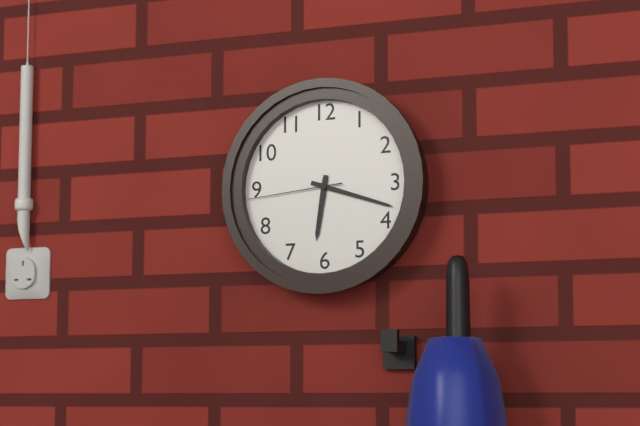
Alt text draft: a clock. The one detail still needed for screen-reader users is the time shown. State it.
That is 6:18:44
